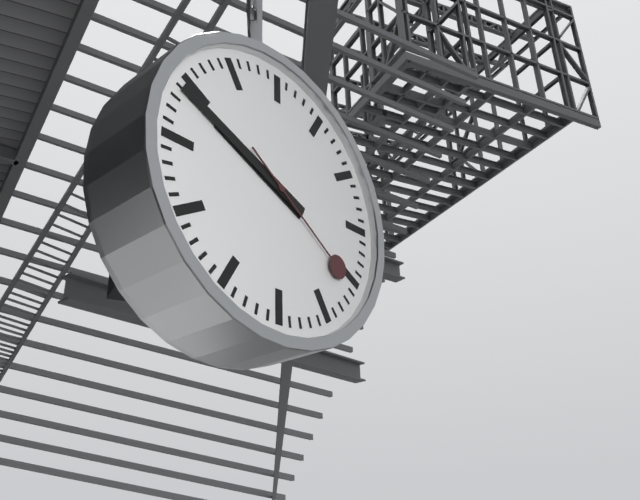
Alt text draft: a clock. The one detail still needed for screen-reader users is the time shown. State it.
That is 9:49:21
